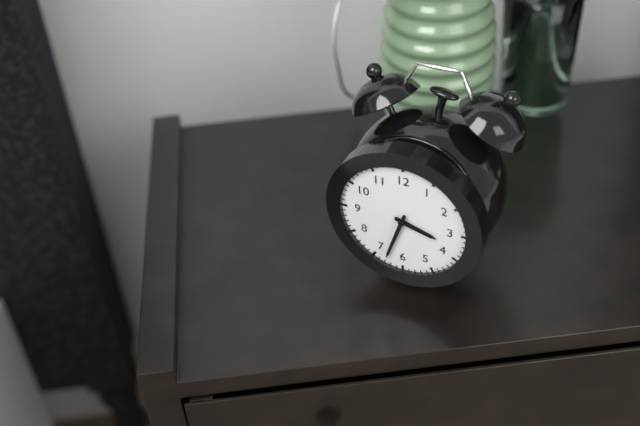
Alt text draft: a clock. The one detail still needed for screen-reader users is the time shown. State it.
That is 3:33
